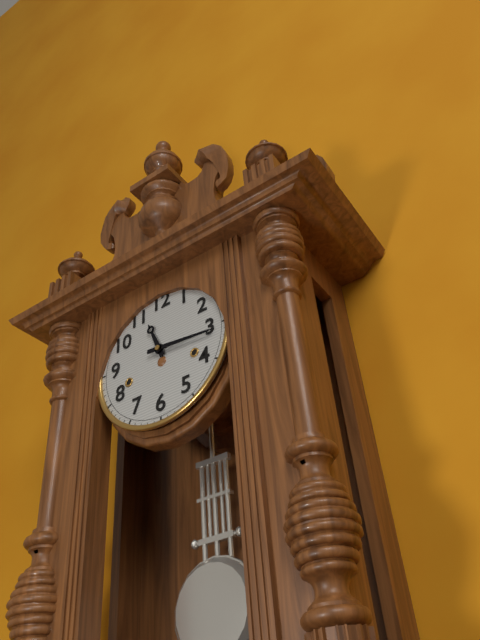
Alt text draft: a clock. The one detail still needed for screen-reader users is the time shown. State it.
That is 11:16
